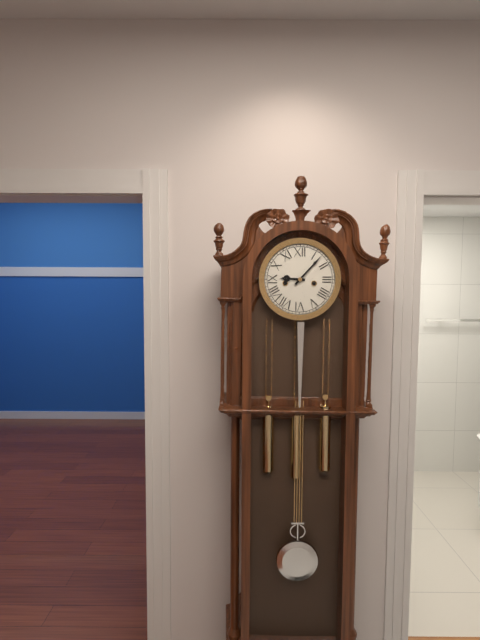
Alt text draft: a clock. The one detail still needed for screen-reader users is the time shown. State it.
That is 9:07
